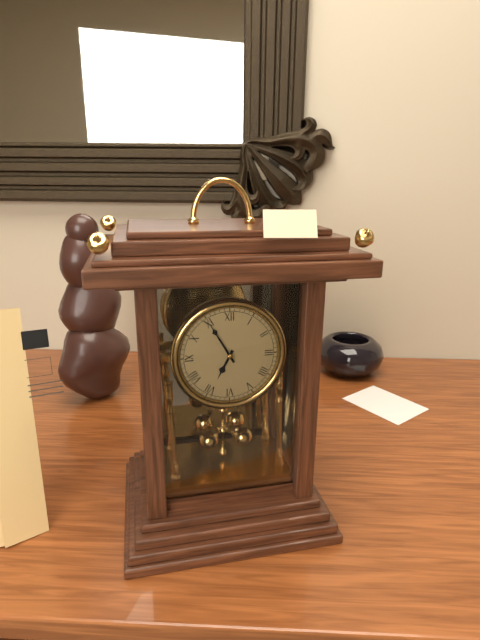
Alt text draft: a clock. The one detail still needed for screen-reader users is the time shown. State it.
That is 6:55
